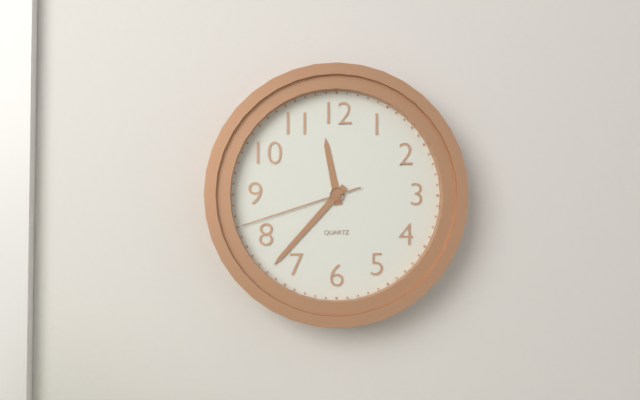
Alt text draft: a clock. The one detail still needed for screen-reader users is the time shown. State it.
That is 11:37:42
